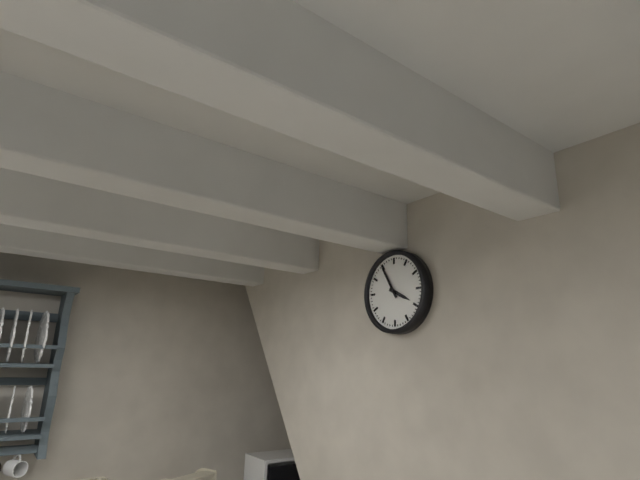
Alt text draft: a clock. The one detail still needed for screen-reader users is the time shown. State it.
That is 3:55
